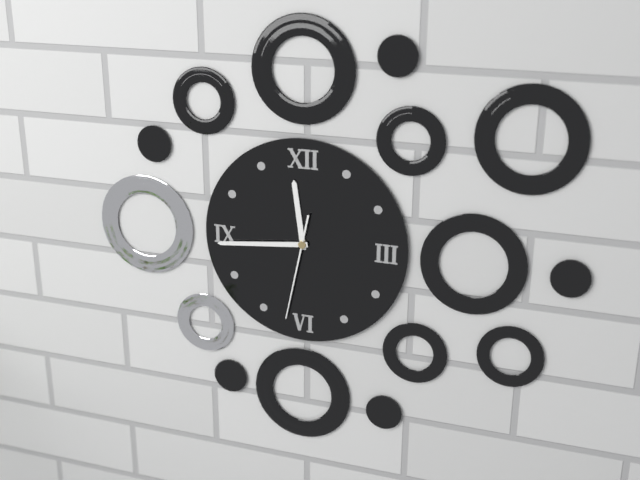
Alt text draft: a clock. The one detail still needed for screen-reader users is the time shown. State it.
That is 11:44:32
